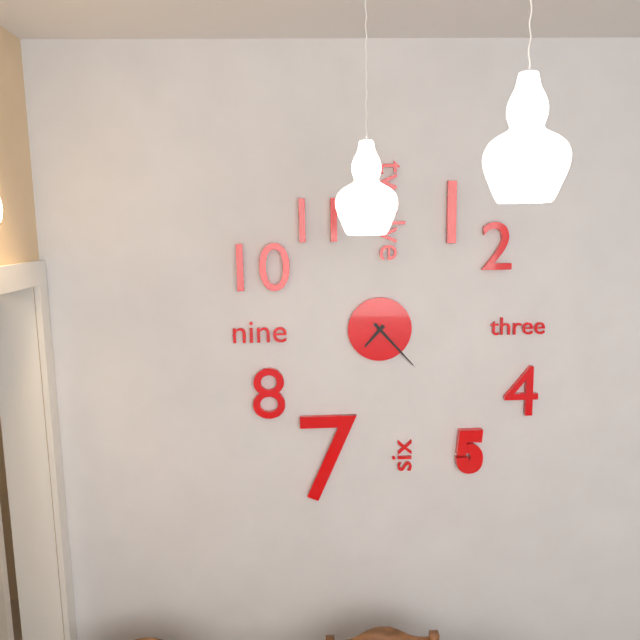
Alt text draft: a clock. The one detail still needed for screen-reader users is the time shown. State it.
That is 7:23
